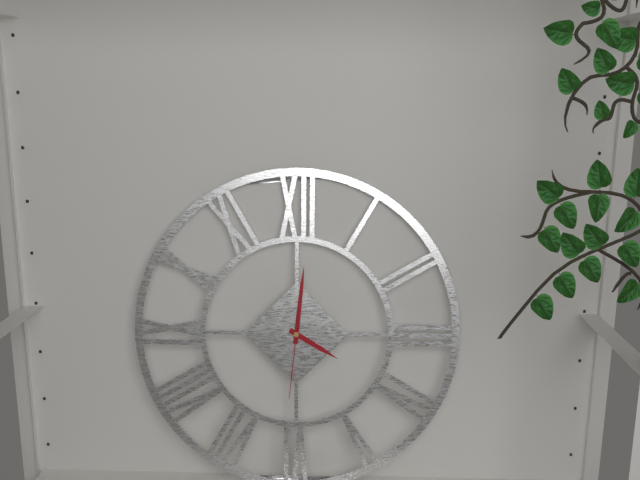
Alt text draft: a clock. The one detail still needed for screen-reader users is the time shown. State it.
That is 4:01:31
